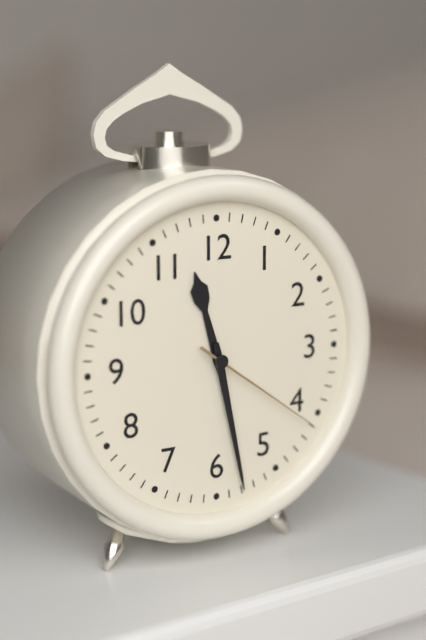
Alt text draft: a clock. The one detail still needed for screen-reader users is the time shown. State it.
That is 11:28:21
